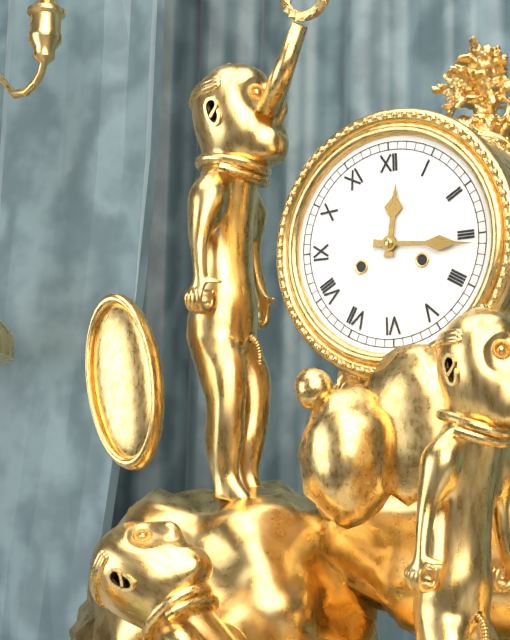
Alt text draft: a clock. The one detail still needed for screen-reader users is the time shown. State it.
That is 12:16
